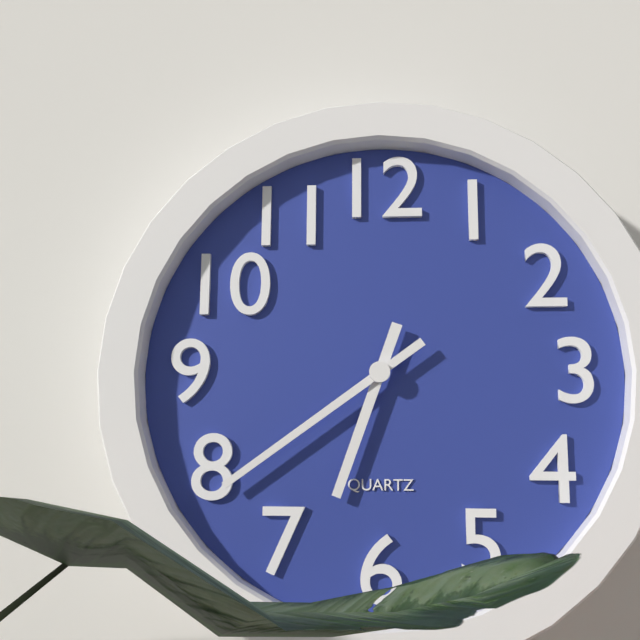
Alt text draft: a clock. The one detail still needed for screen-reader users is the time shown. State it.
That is 6:39
